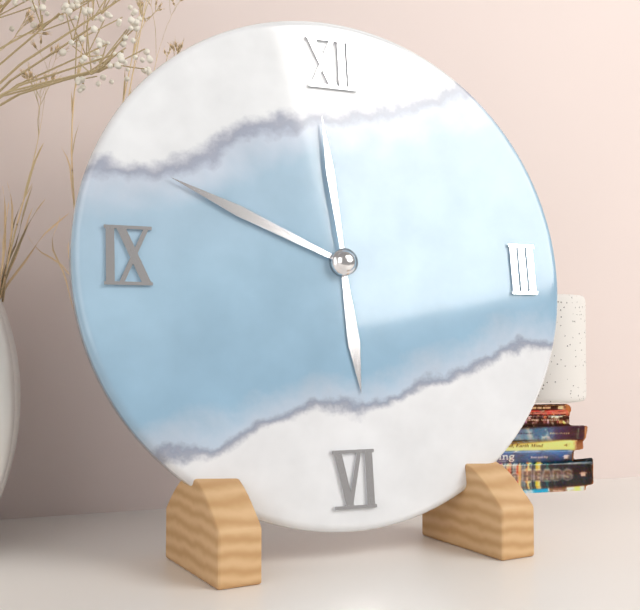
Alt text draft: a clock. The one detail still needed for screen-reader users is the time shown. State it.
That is 5:49:59
